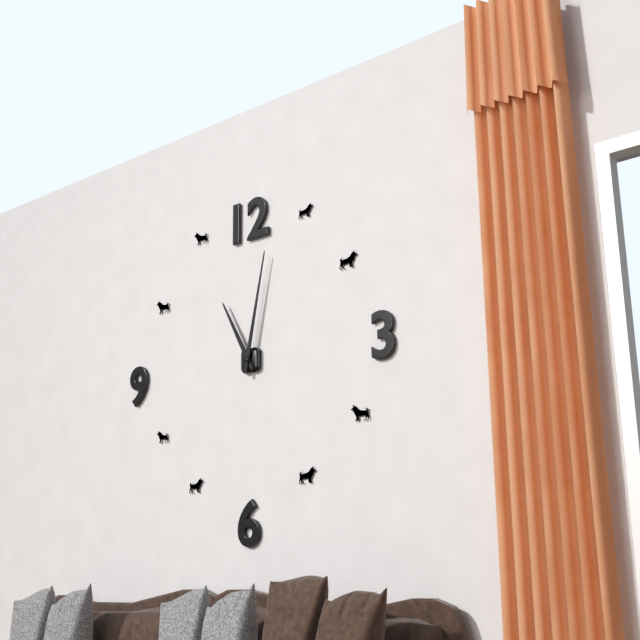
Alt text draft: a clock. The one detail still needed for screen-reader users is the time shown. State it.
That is 11:02
